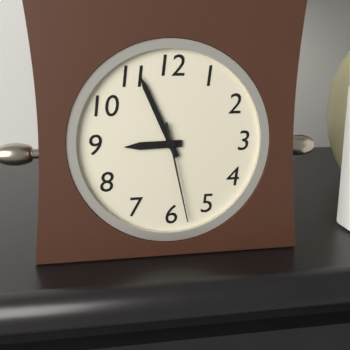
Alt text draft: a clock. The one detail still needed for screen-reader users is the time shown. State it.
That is 8:56:28
